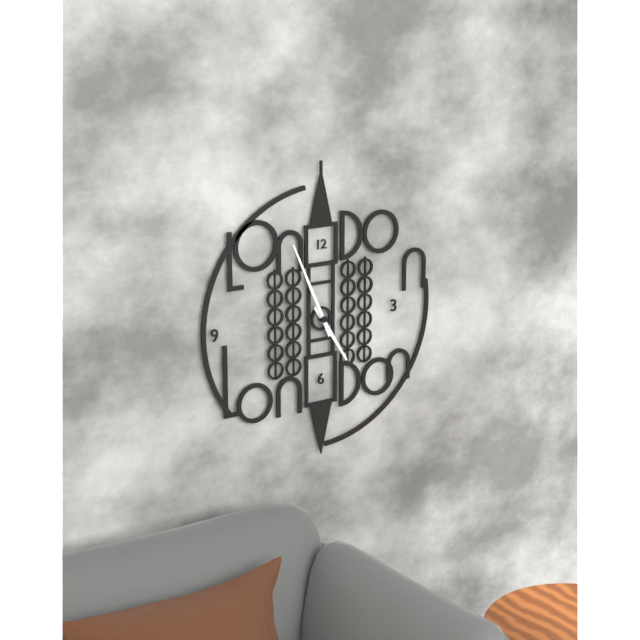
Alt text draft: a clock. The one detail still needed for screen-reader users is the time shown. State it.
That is 4:56
